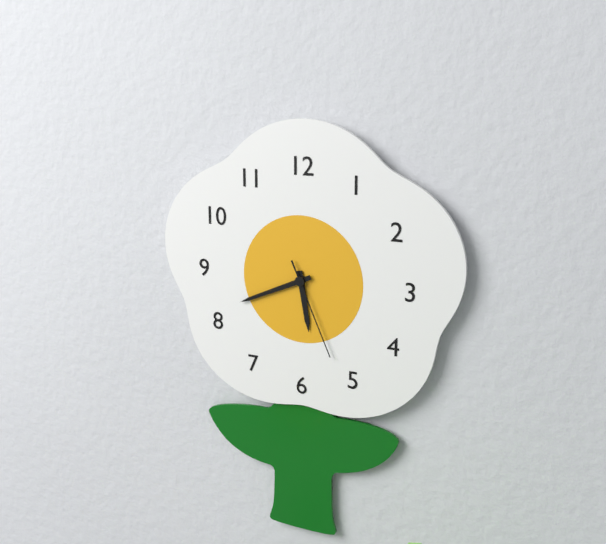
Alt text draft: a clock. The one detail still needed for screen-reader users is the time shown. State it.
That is 5:41:26
